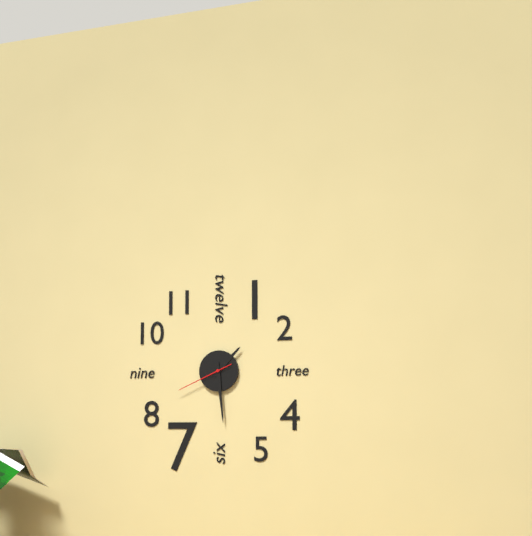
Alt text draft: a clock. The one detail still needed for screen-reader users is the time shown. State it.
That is 1:29:41
